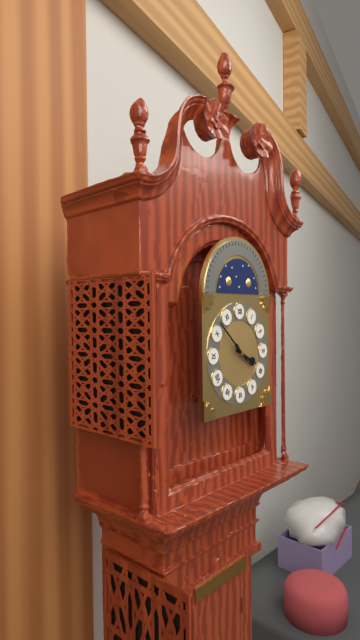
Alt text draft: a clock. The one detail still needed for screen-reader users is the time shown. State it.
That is 3:52
